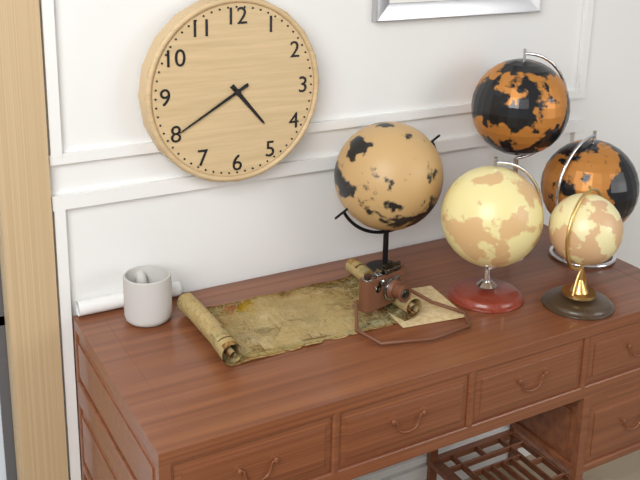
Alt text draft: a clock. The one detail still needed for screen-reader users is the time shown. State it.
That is 4:40
